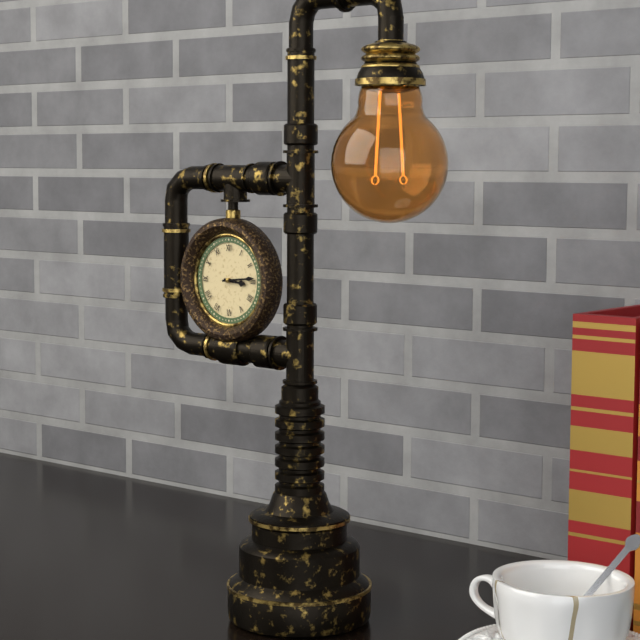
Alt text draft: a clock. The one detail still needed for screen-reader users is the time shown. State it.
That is 3:14
